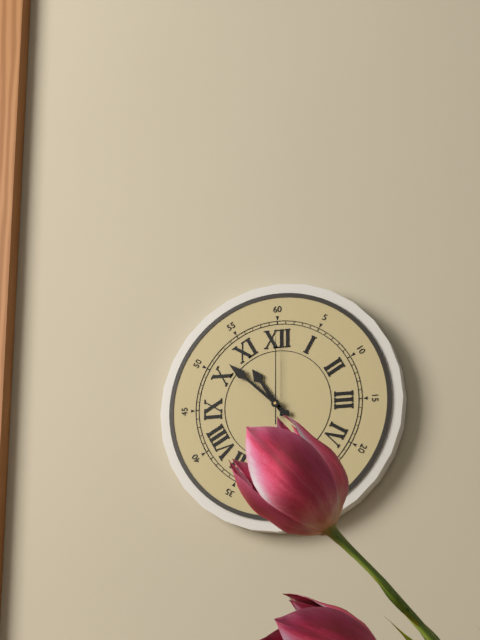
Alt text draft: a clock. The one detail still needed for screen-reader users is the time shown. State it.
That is 10:52:00
